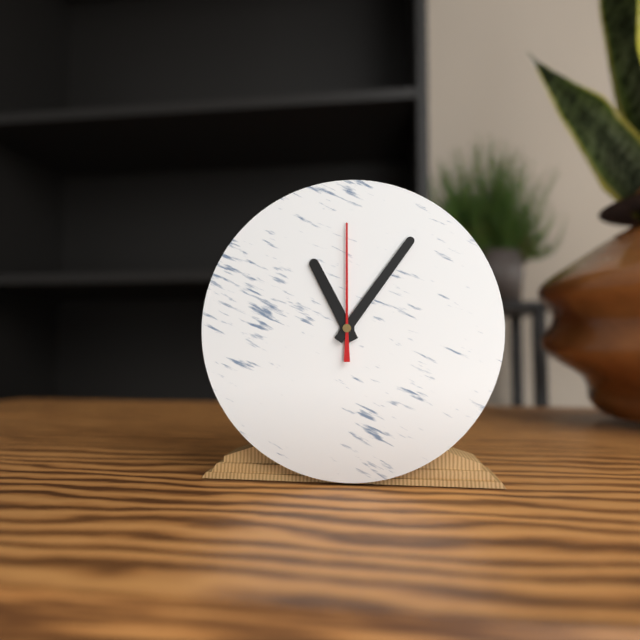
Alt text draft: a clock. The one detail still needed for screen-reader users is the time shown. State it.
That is 11:06:00
